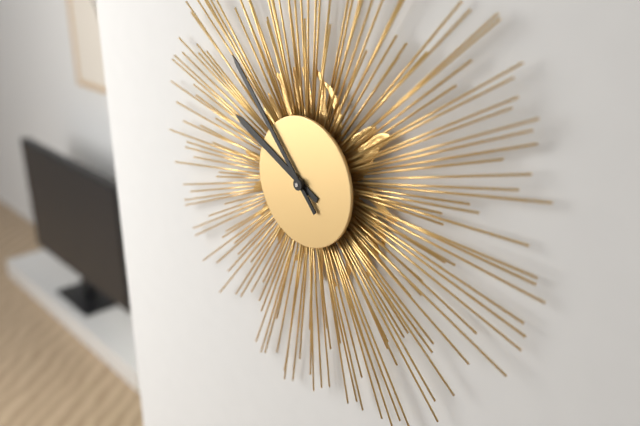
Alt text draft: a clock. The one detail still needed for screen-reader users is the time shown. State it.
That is 9:53
